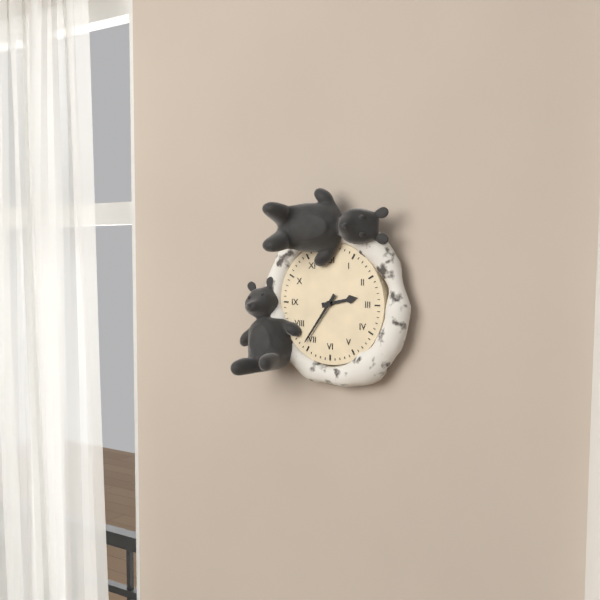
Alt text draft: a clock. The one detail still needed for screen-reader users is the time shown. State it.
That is 2:36
